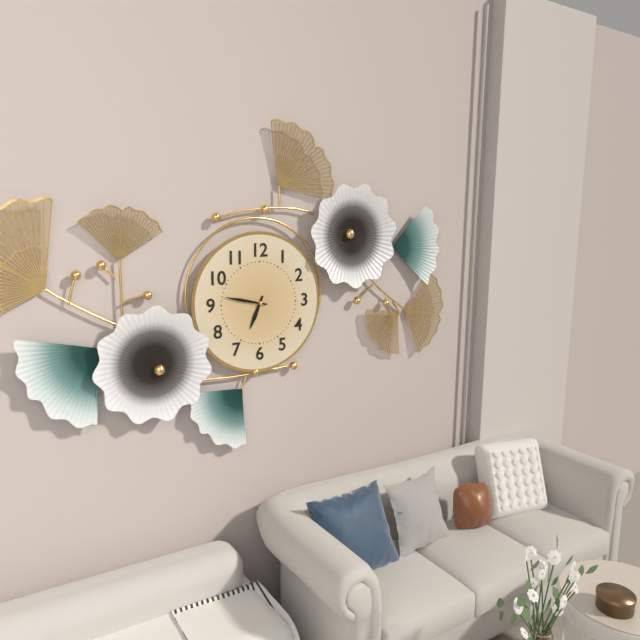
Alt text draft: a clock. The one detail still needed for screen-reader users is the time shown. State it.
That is 6:47
